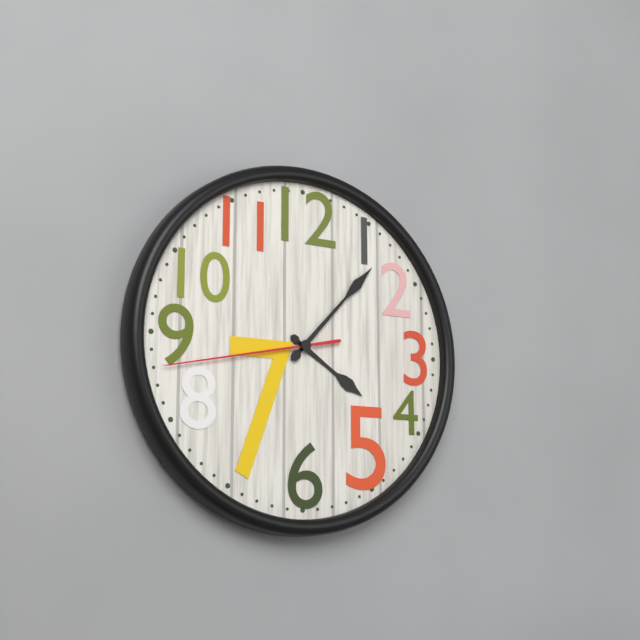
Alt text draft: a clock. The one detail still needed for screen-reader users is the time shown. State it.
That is 4:07:43
